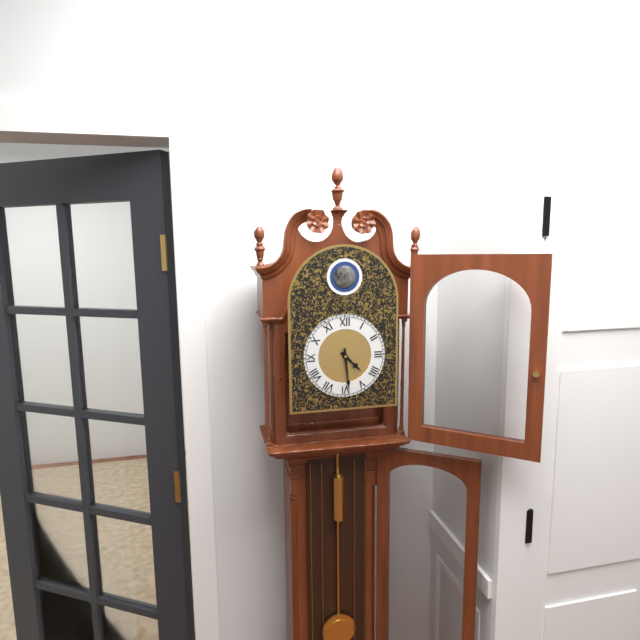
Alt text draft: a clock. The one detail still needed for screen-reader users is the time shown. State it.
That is 4:29
